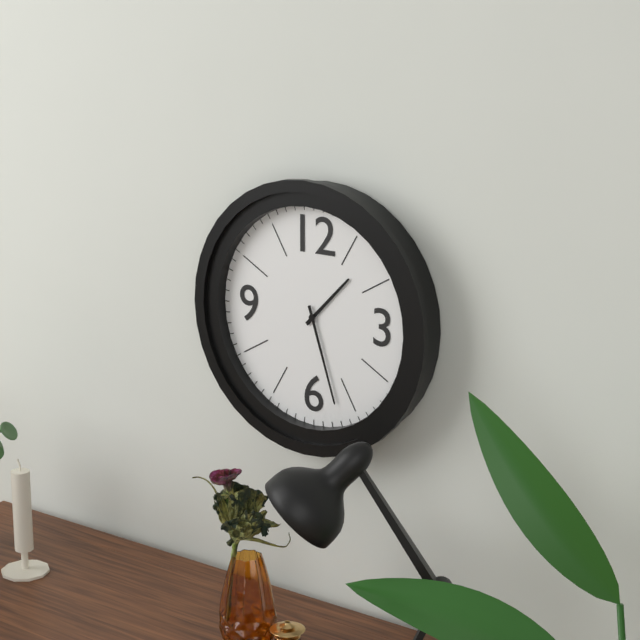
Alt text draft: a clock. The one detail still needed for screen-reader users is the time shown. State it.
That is 1:27
